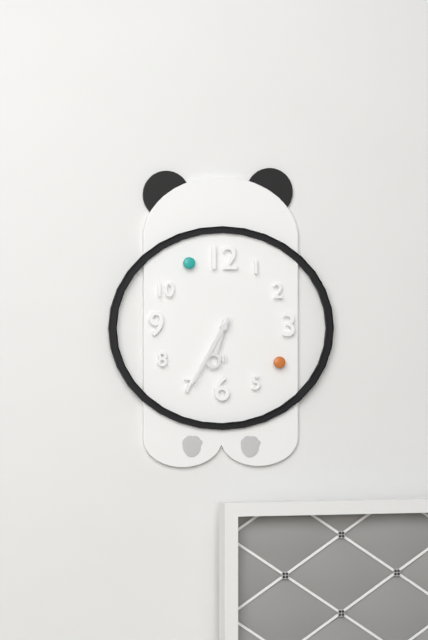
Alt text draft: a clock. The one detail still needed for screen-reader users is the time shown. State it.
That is 6:35
